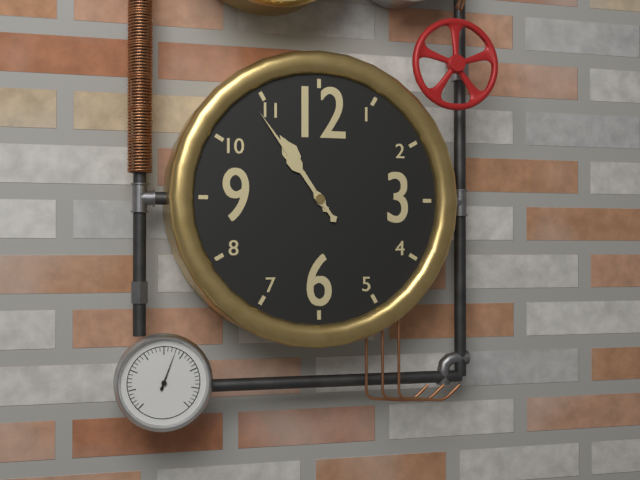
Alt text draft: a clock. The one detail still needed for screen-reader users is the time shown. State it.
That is 10:54
